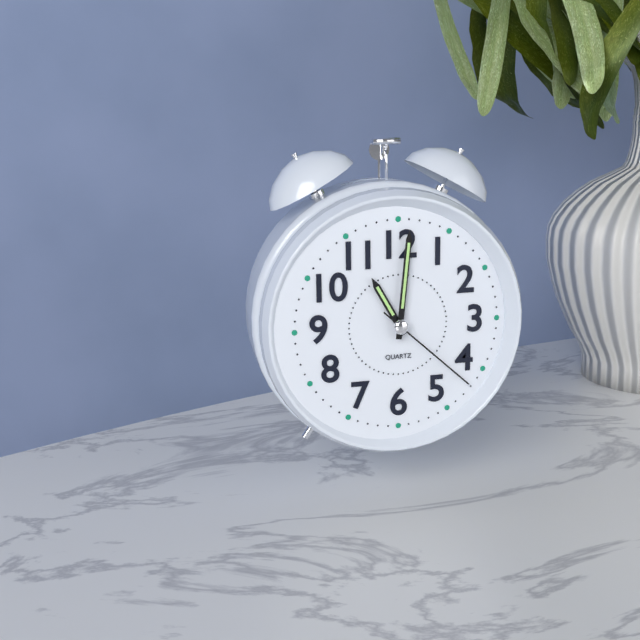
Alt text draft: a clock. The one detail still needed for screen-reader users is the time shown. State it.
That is 11:01:22
